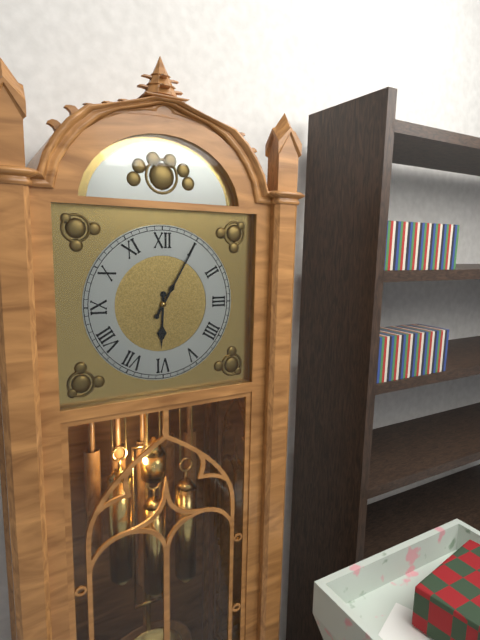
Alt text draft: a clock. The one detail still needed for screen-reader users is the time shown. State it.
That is 6:05
